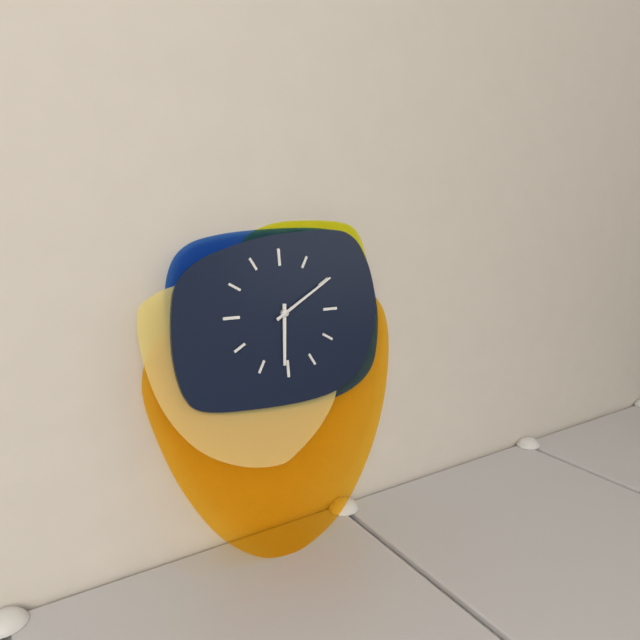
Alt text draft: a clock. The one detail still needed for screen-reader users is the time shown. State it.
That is 6:10
